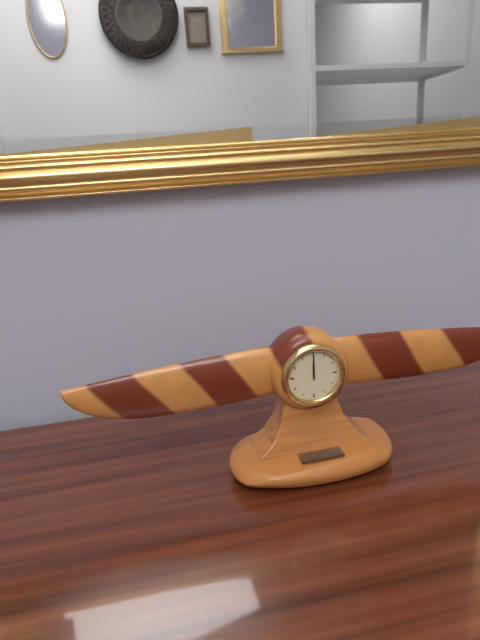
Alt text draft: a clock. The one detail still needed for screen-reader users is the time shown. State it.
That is 12:00
